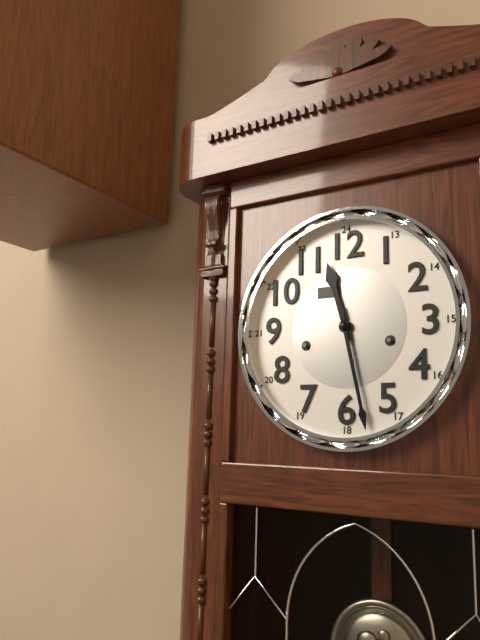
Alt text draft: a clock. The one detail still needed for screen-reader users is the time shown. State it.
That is 11:28
